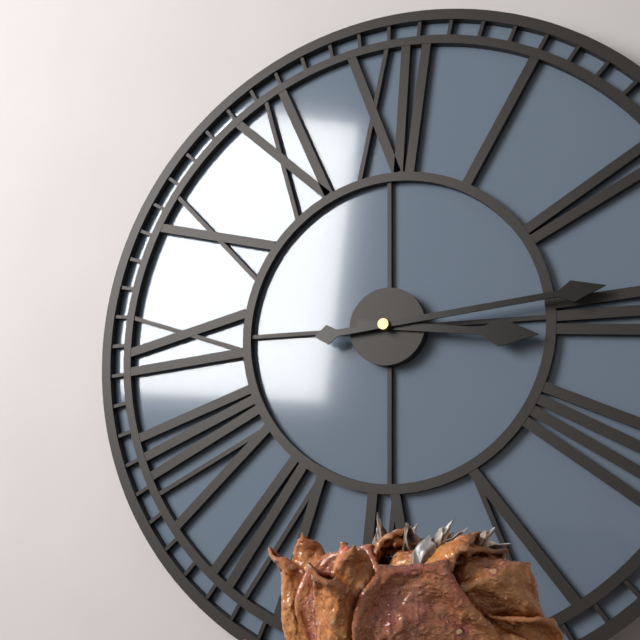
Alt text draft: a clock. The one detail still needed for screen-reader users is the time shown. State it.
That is 3:14
